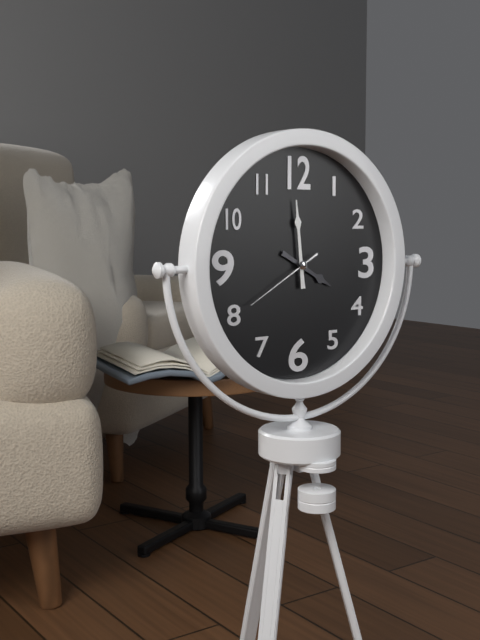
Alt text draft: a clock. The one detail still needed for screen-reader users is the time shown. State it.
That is 3:59:40
